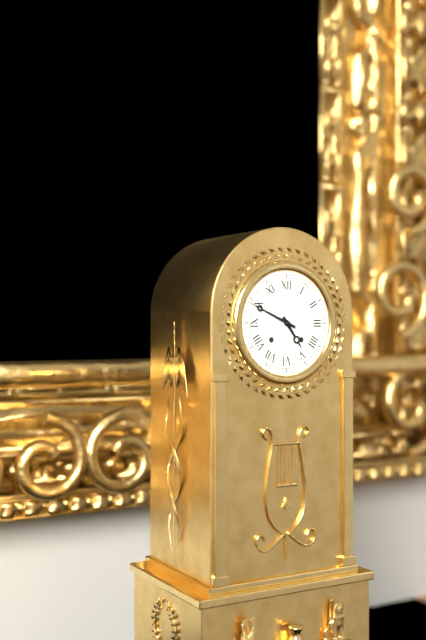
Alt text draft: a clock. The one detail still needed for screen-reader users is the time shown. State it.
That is 4:49
